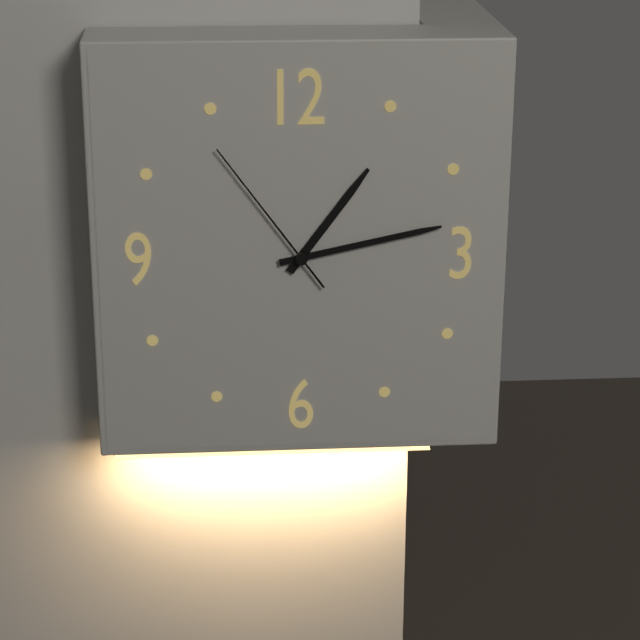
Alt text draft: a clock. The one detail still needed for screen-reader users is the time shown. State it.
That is 1:13:54
